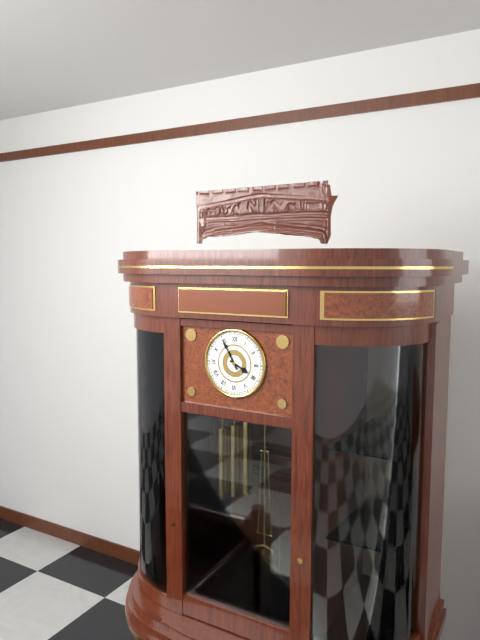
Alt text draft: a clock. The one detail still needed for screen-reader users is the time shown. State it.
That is 3:55
